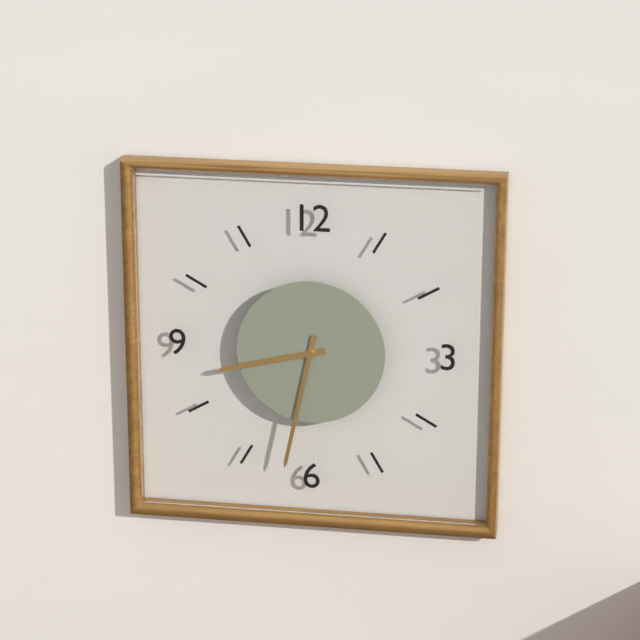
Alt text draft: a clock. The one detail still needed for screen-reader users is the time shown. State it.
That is 8:32
